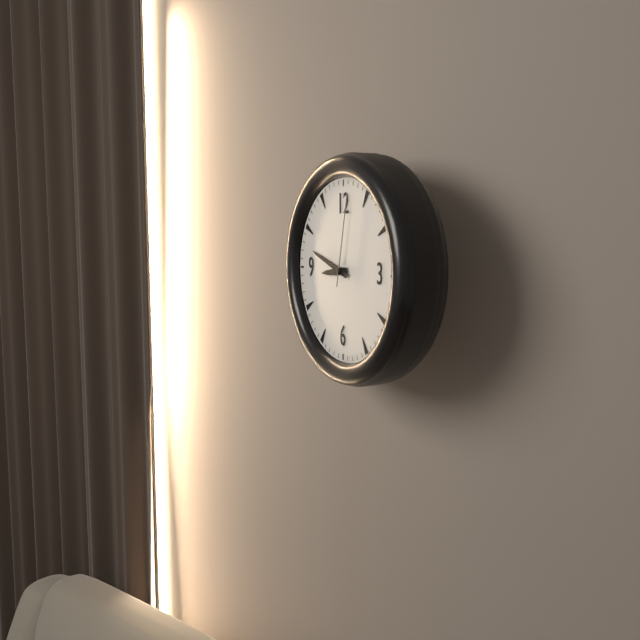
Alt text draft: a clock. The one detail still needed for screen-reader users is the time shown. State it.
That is 8:48:02
